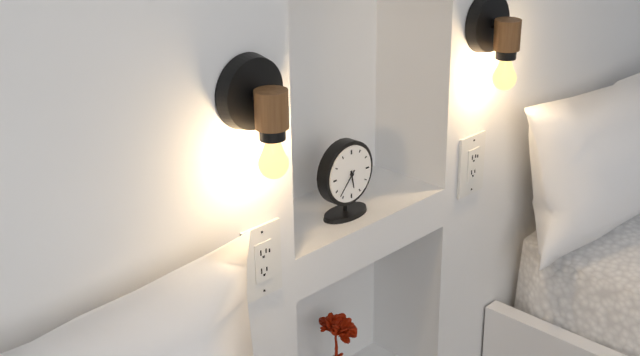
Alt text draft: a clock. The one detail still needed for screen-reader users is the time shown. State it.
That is 5:37
